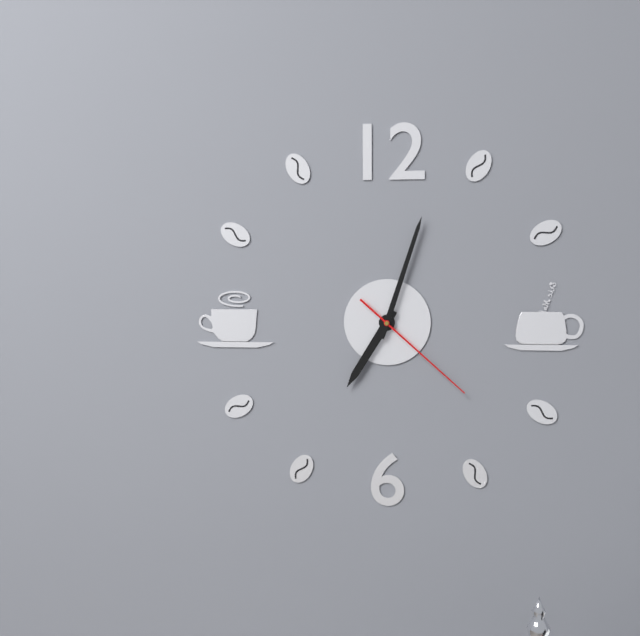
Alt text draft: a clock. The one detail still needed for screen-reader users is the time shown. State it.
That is 7:03:22
